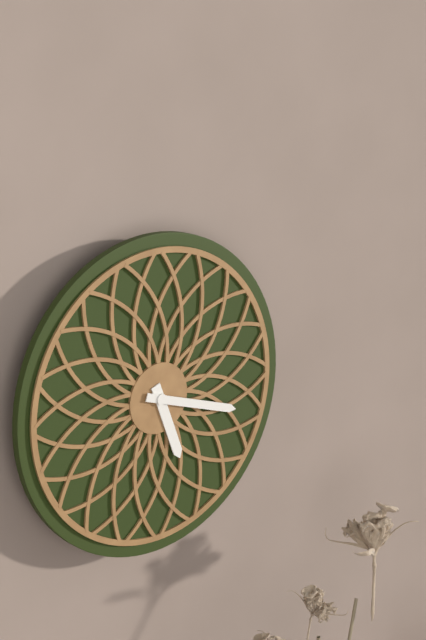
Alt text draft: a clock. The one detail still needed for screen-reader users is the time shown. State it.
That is 5:18
